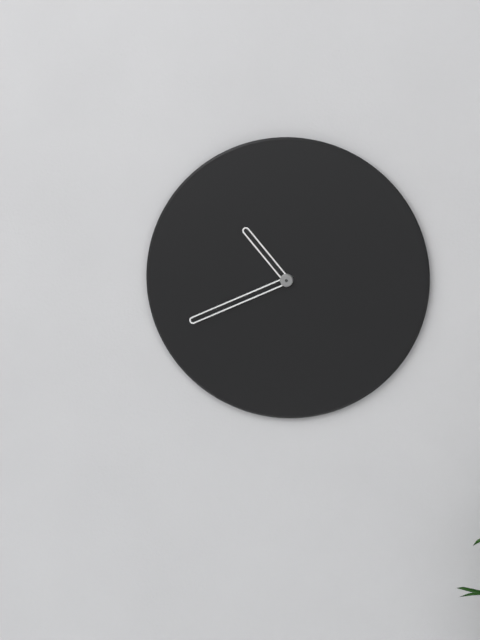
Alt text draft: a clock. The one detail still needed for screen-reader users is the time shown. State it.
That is 10:41
